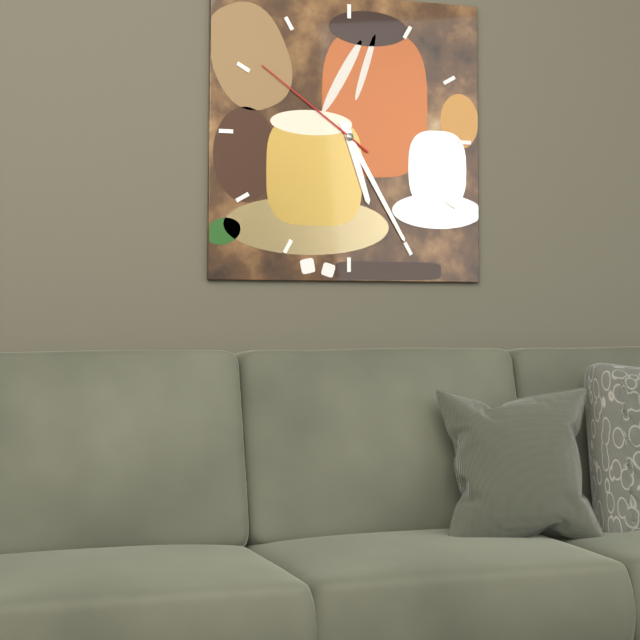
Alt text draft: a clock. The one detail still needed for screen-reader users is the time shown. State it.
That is 5:25:51
